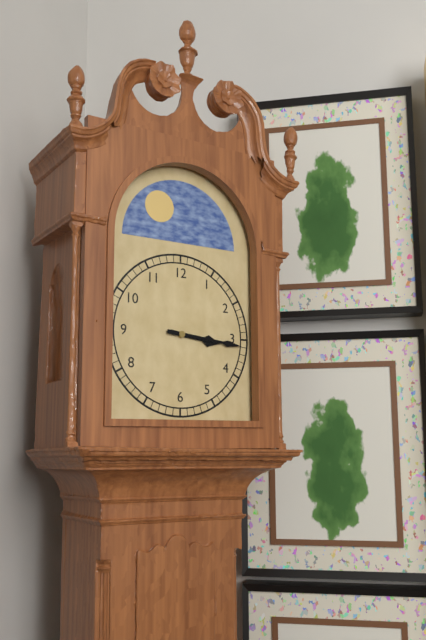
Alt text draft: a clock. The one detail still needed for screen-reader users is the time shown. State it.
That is 3:16
